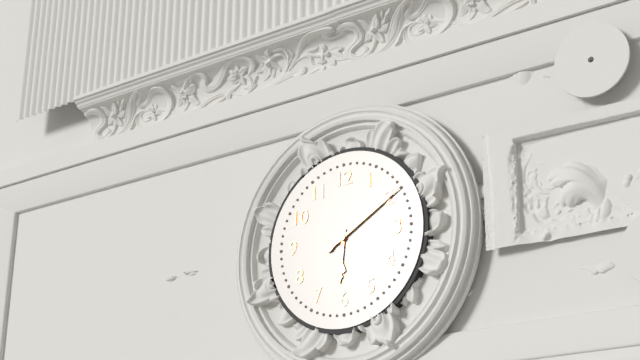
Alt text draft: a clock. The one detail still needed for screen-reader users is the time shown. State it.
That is 6:10
